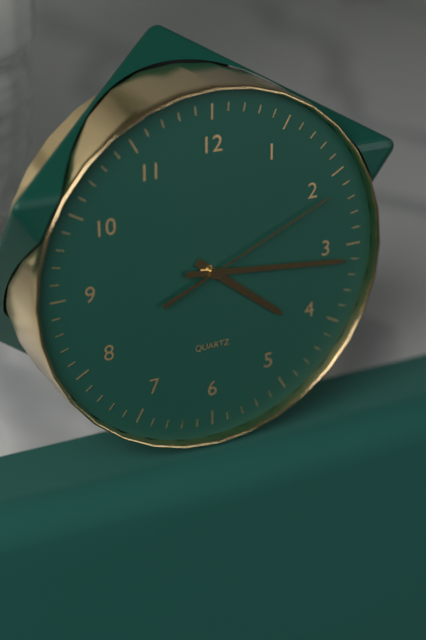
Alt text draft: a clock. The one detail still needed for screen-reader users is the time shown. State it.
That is 4:16:11
